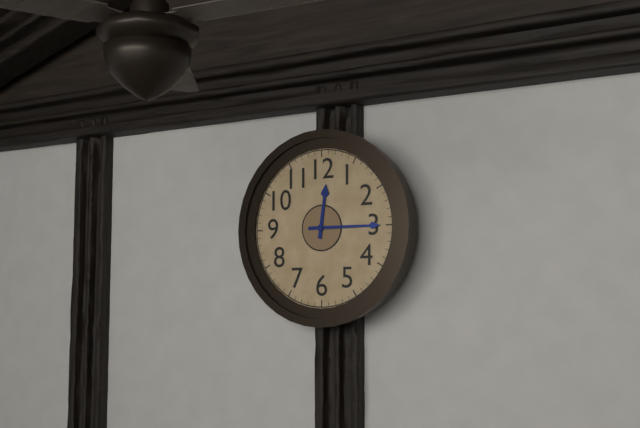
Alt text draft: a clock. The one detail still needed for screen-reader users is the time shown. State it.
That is 12:15
